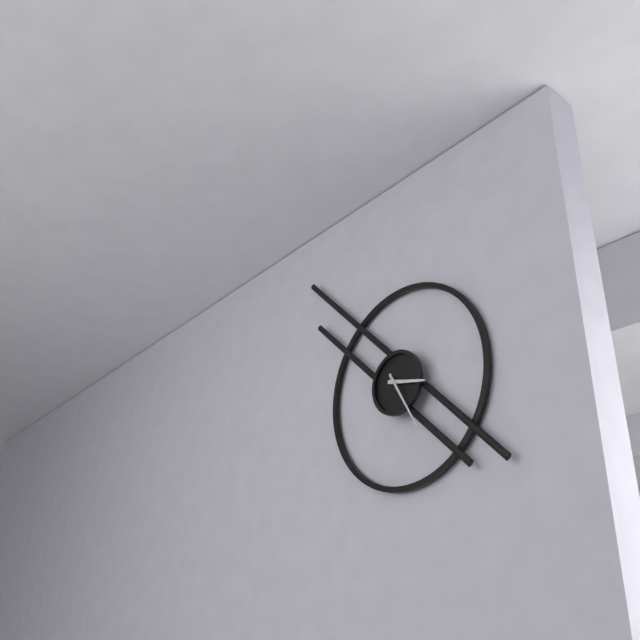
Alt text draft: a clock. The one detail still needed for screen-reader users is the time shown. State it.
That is 3:25
